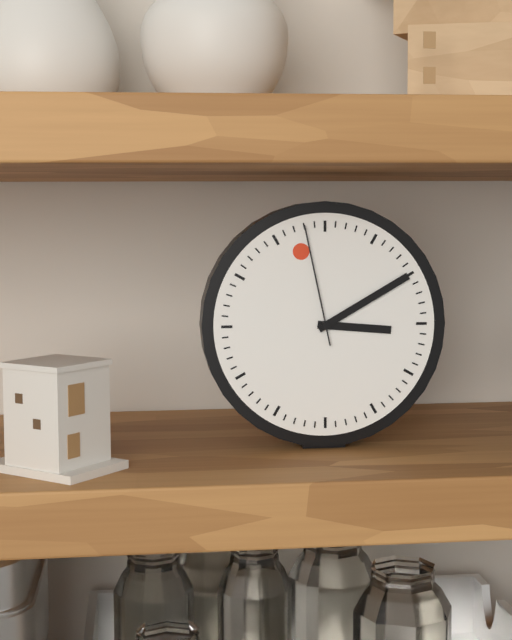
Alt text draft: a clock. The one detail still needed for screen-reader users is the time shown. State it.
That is 3:10:58
